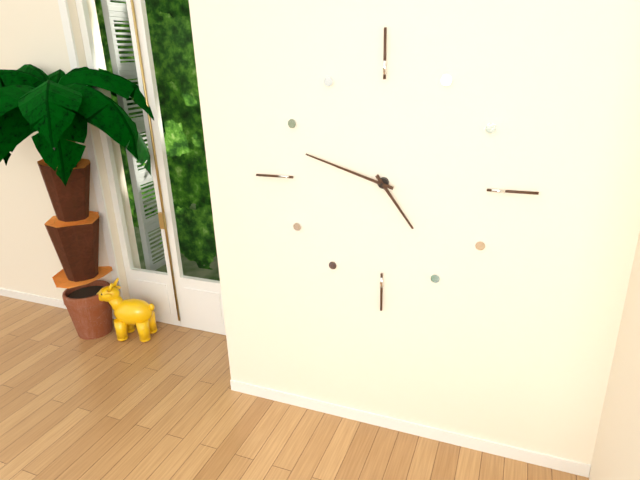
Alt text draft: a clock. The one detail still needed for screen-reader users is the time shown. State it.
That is 4:48
